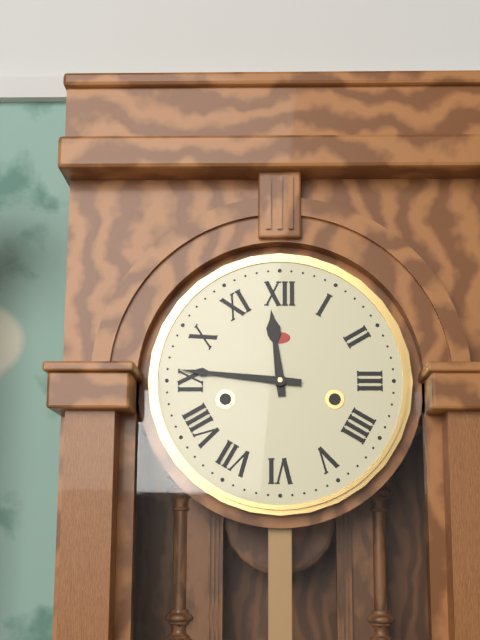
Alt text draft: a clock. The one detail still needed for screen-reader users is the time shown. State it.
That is 11:46
